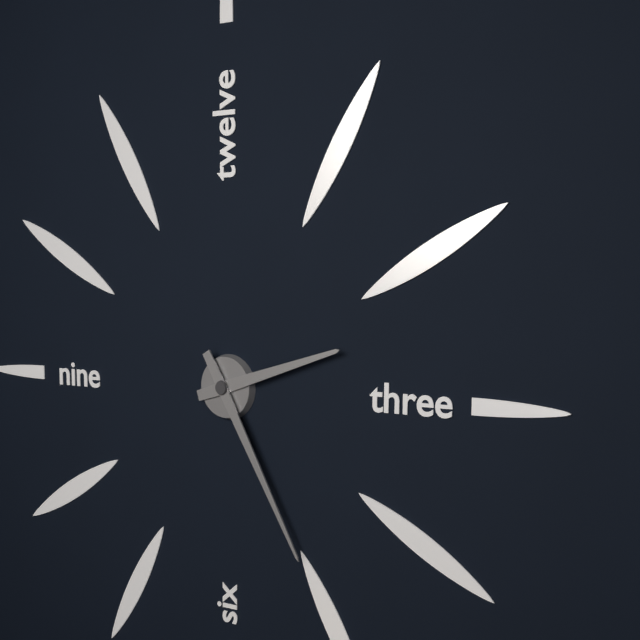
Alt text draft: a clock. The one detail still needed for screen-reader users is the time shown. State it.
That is 2:25
